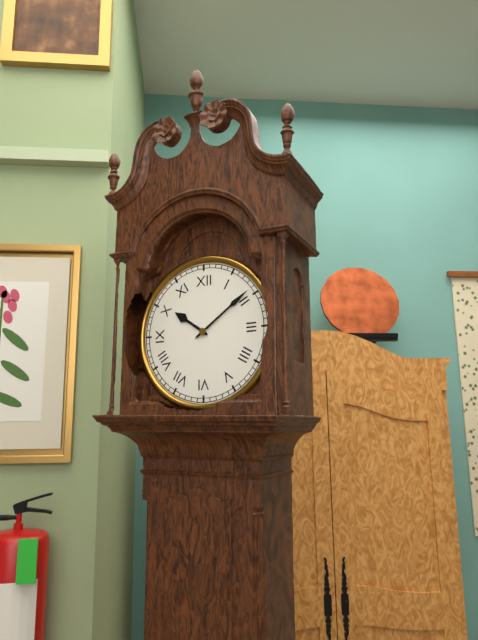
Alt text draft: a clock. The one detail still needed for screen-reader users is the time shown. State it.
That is 10:09
